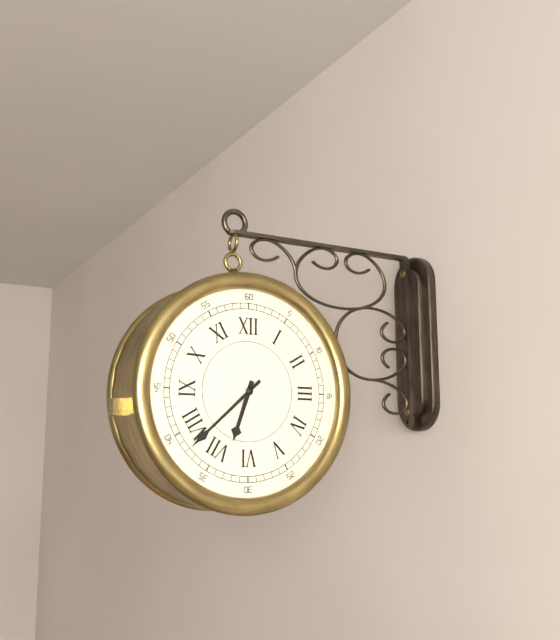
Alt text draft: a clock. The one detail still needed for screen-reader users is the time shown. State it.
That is 6:38
